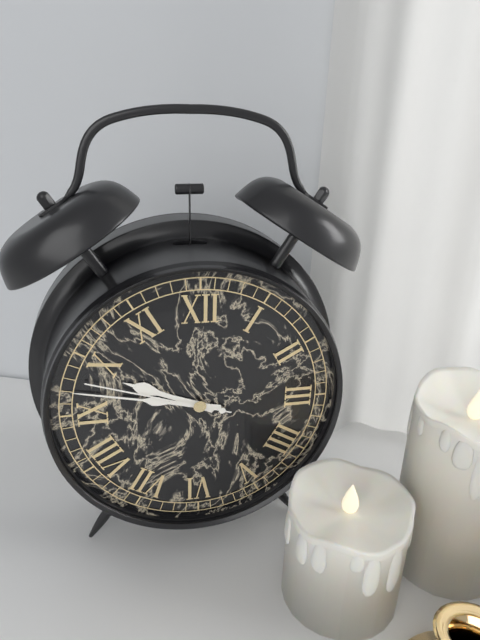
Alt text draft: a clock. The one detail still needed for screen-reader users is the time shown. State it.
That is 9:47:48
